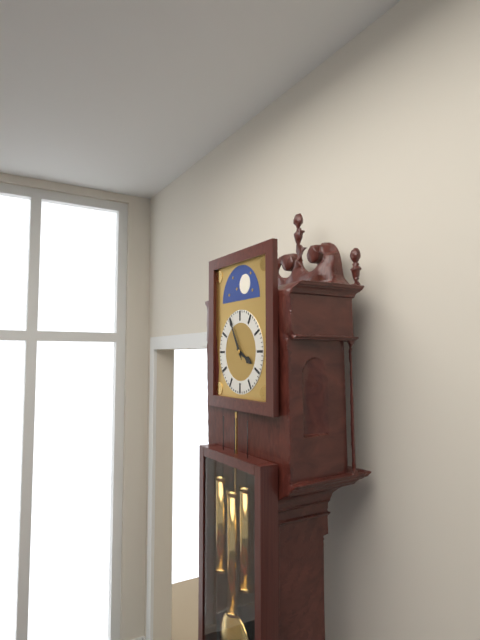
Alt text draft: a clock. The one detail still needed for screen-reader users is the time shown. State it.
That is 3:55
